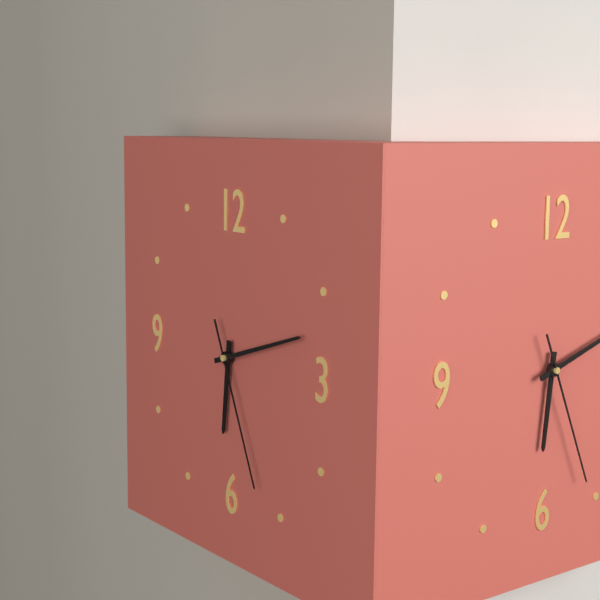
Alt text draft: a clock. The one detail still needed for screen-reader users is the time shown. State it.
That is 6:12:26
